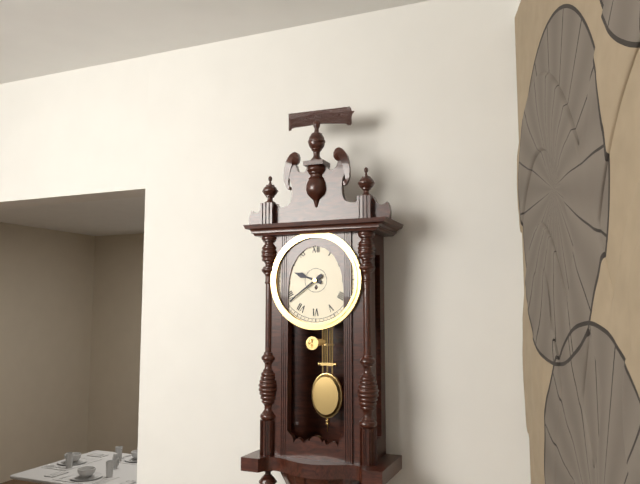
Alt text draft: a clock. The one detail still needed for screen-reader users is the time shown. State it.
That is 9:39
